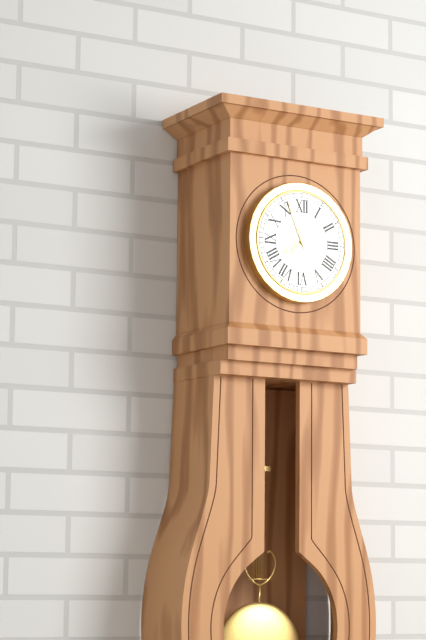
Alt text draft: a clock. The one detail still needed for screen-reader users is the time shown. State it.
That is 7:56
